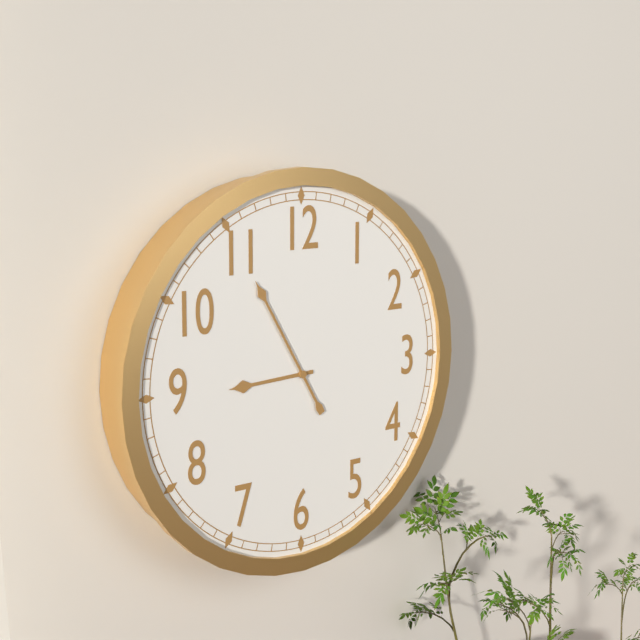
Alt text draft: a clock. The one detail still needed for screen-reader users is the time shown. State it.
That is 8:55
